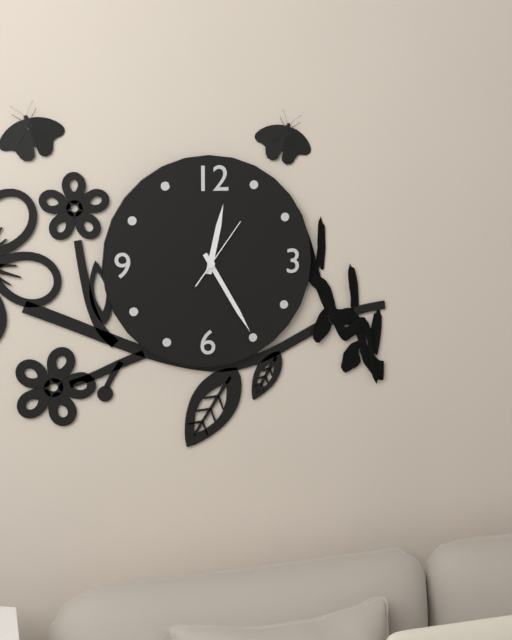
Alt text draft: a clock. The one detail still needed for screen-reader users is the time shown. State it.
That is 12:25:06
